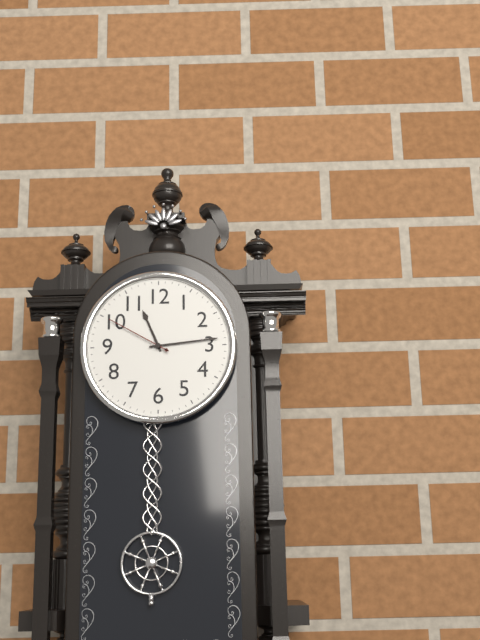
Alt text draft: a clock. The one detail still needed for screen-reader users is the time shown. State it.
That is 11:14:50
